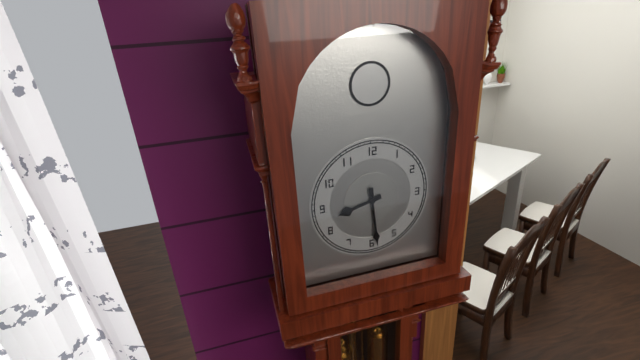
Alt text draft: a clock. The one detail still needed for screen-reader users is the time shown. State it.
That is 8:29
